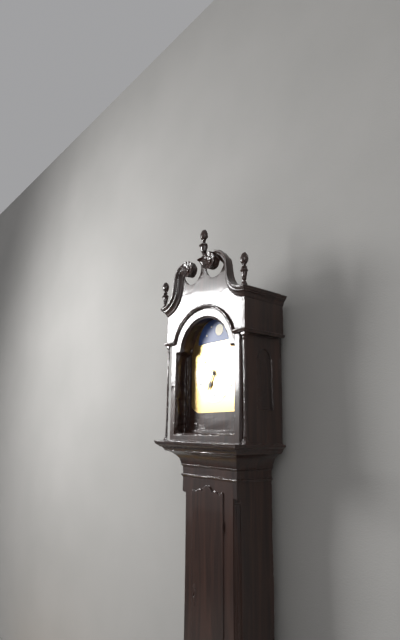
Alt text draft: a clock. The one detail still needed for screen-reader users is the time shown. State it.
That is 6:52
